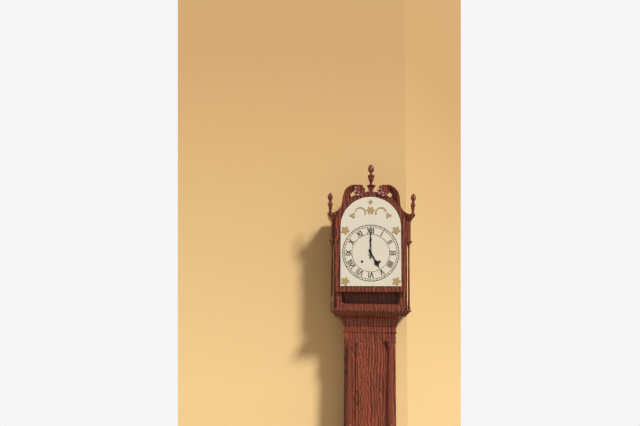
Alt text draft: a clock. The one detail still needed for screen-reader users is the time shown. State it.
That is 5:00
